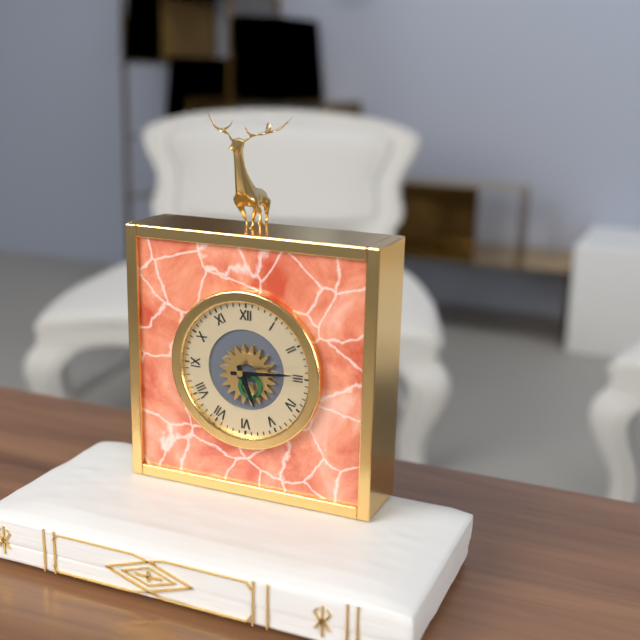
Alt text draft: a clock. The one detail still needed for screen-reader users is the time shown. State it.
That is 5:14
